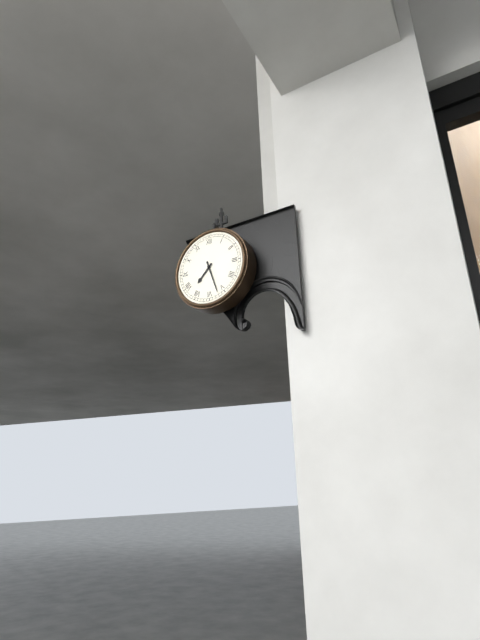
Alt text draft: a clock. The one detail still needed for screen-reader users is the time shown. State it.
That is 7:27
